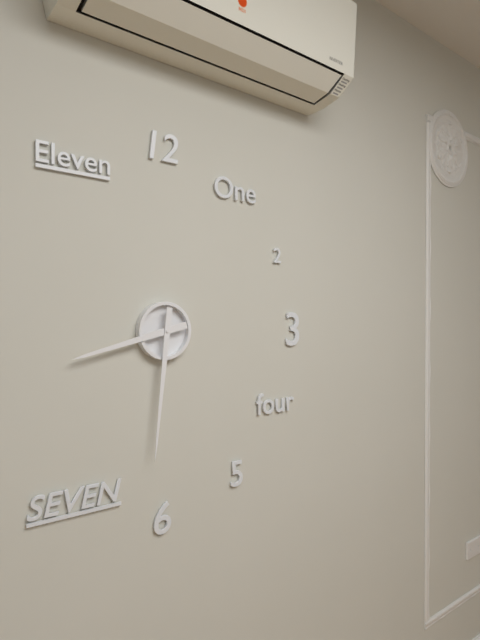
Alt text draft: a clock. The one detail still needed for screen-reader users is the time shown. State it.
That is 8:31
